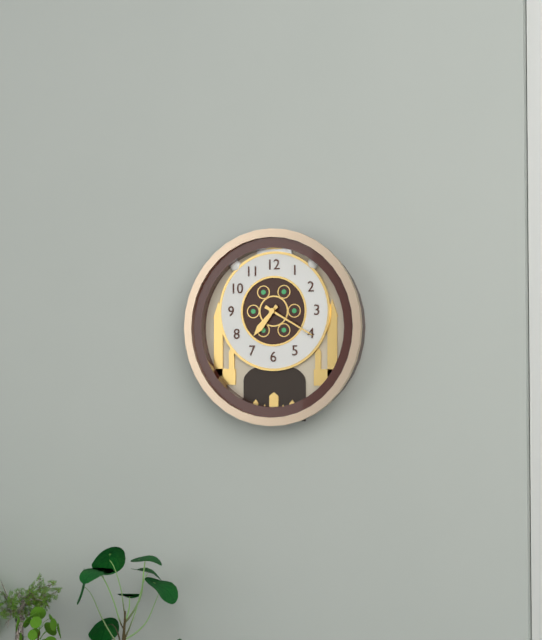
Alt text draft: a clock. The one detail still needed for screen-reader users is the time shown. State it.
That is 7:20
